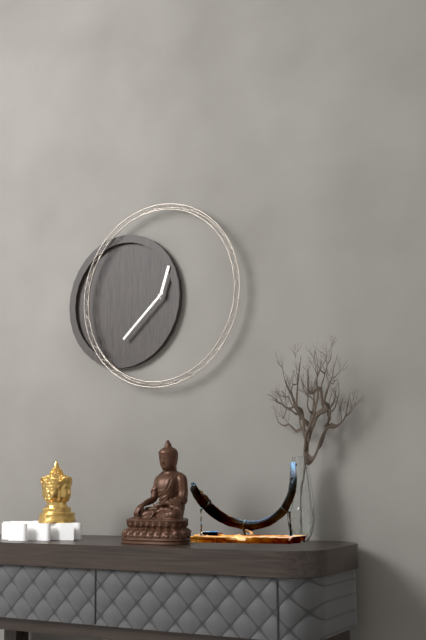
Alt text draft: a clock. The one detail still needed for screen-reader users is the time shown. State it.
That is 12:38
